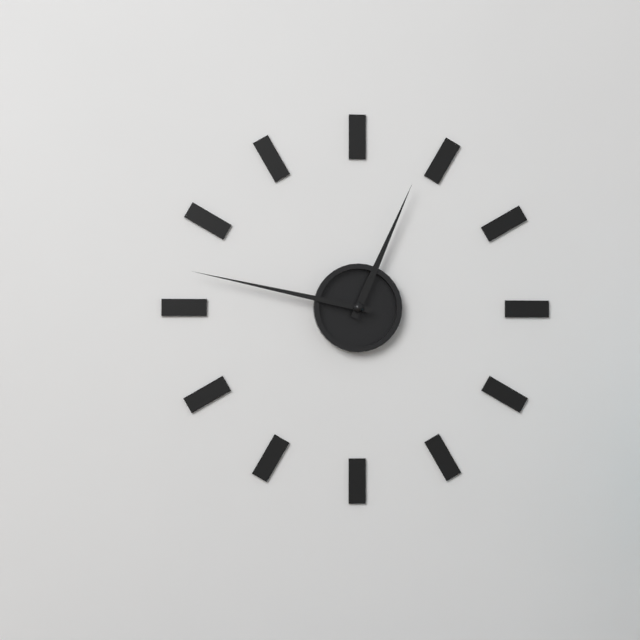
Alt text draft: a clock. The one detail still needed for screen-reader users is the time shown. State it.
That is 12:47
